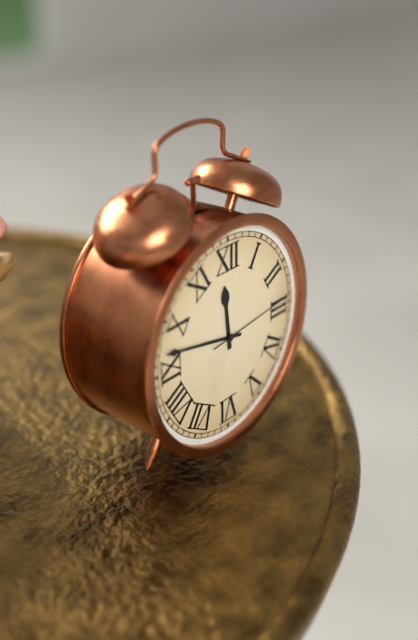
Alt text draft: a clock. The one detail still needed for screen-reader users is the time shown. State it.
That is 11:47:14
